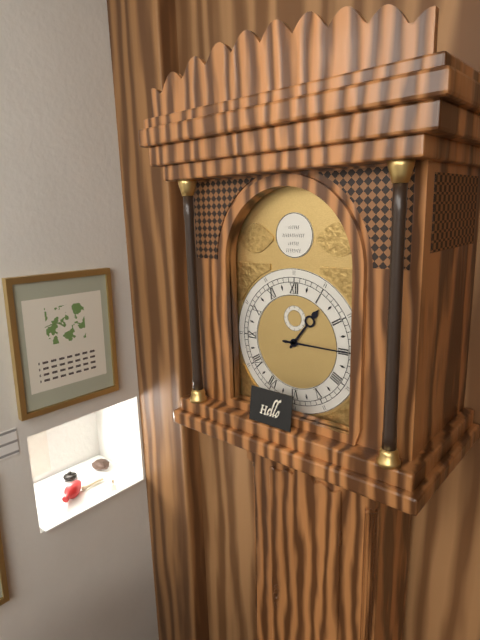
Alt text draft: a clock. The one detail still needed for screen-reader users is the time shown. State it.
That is 1:15
